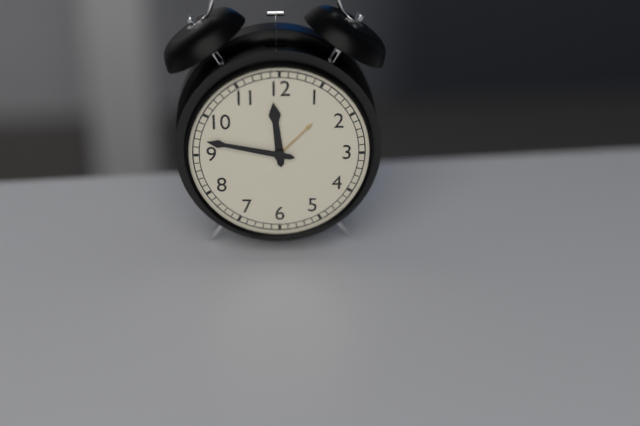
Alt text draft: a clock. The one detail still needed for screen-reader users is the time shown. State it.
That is 11:47
